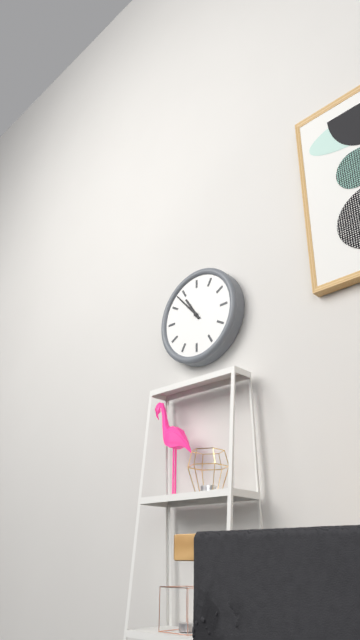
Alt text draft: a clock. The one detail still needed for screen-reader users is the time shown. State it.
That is 10:53
